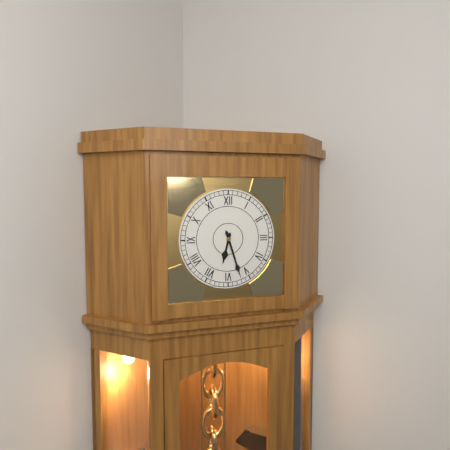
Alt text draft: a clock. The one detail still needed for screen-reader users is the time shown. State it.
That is 6:27
